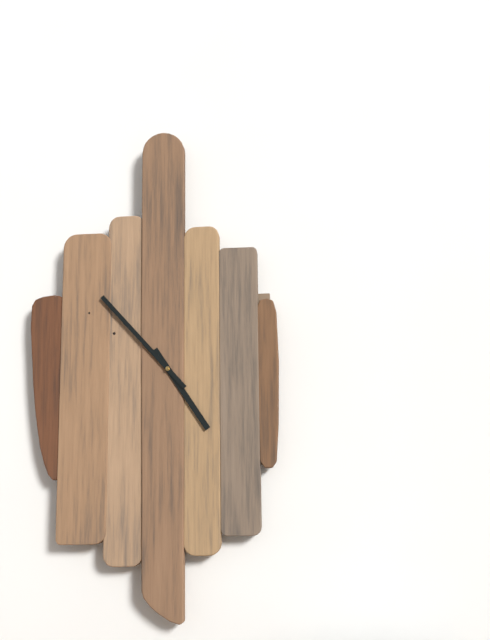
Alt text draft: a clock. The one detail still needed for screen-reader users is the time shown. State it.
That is 4:53
